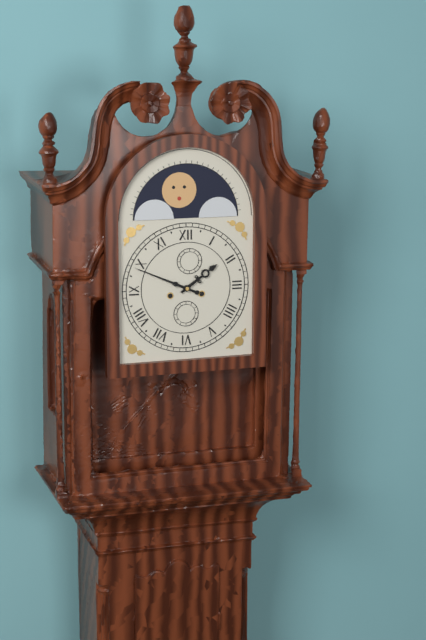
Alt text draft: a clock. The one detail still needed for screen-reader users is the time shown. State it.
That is 1:49
